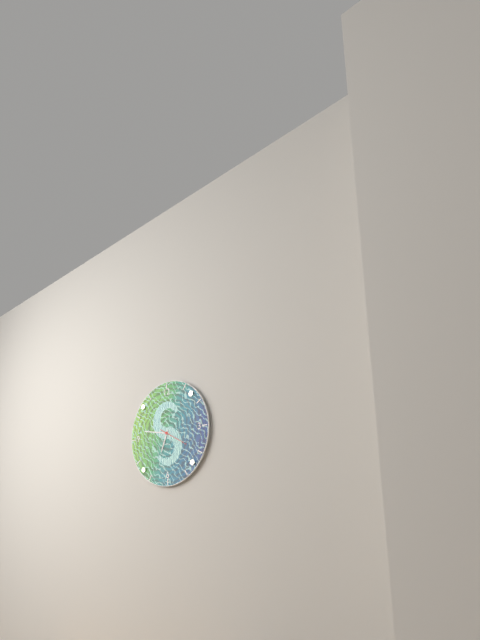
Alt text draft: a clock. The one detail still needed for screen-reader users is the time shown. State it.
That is 6:47
